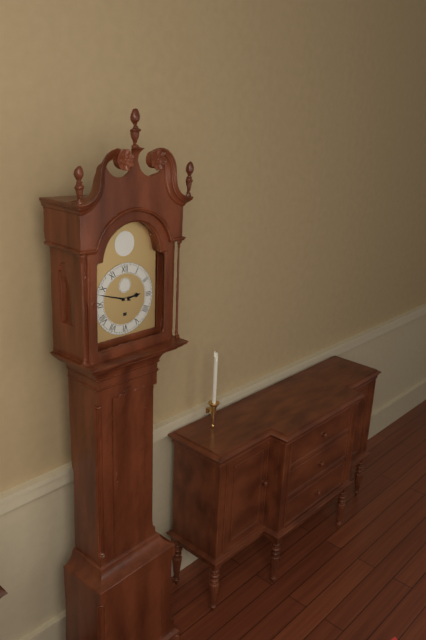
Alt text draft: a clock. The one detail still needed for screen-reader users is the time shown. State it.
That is 2:48
